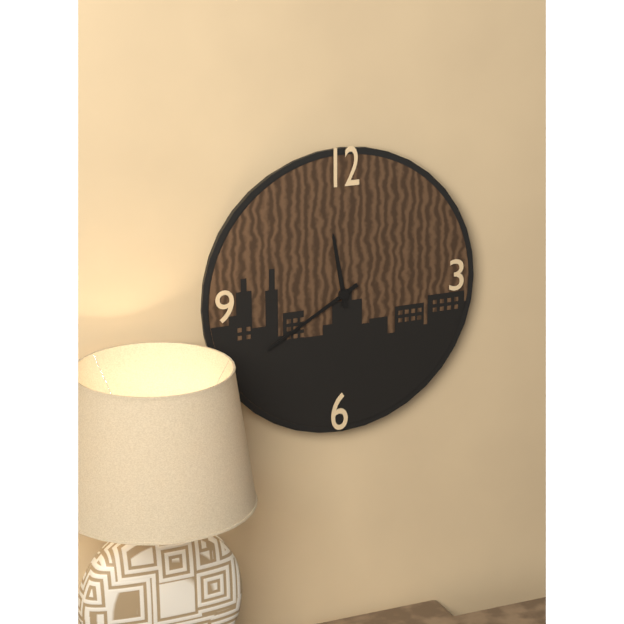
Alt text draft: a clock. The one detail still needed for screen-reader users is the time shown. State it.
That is 11:40
